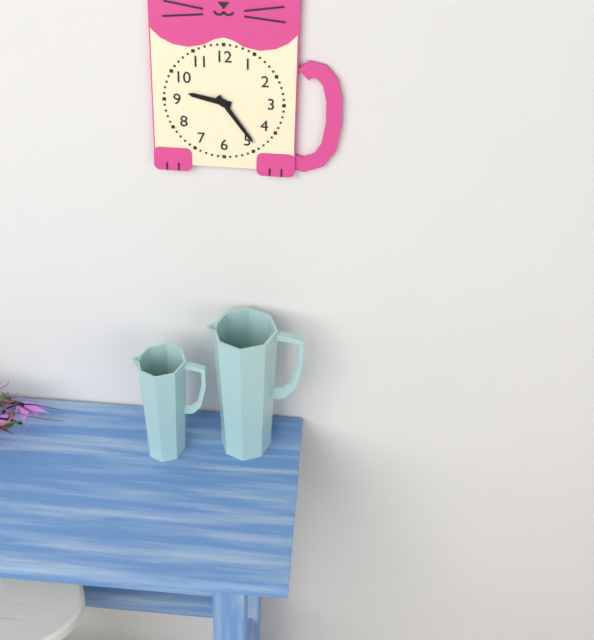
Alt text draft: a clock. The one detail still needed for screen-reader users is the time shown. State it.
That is 9:24
